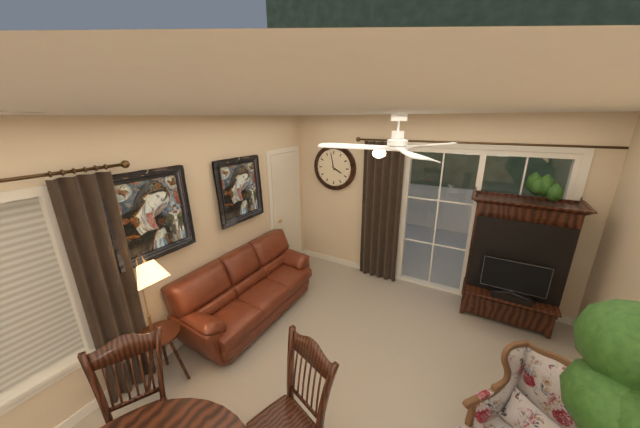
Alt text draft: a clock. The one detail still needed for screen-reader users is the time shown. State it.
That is 3:58
